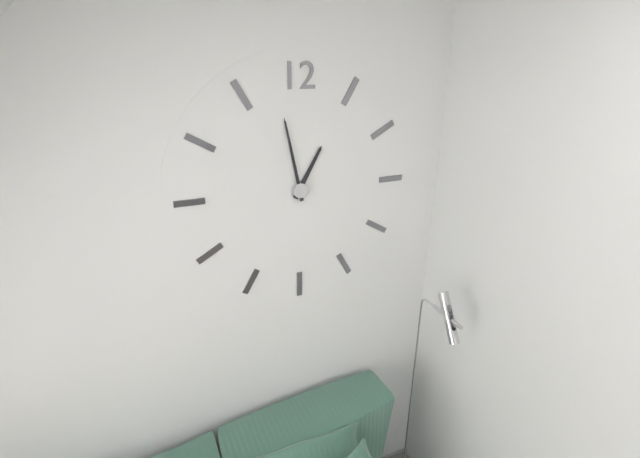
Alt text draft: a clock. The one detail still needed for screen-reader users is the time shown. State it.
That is 12:58
